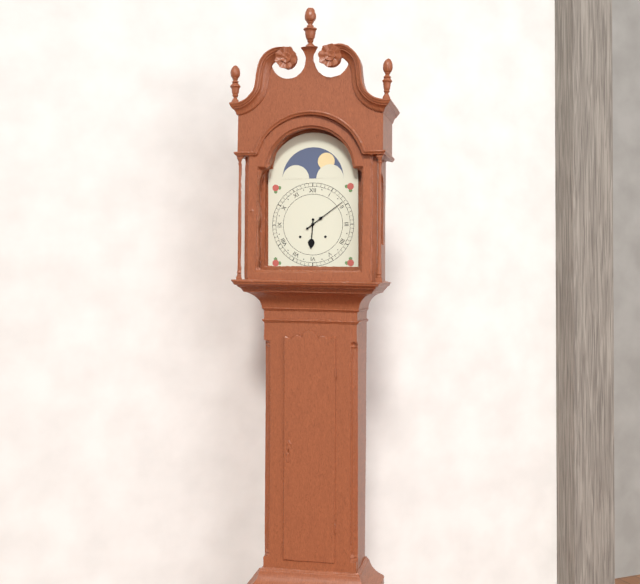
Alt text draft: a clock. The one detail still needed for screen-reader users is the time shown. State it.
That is 6:09
